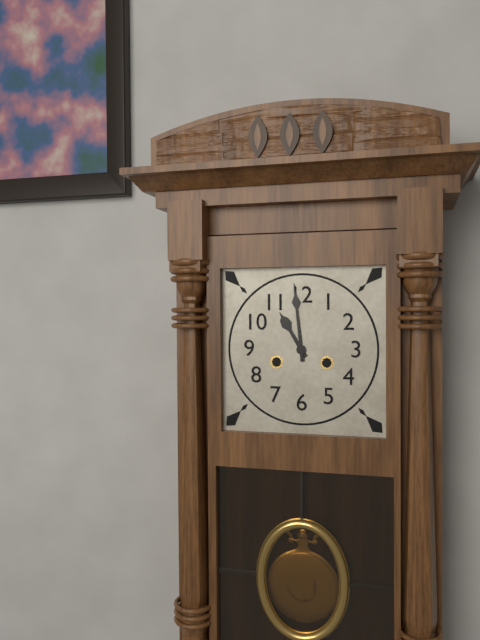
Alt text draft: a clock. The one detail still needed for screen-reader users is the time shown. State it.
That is 10:59
